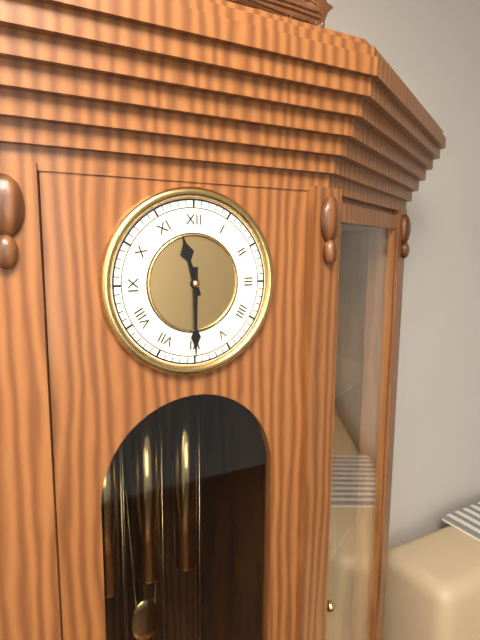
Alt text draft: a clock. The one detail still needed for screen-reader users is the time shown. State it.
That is 11:30
